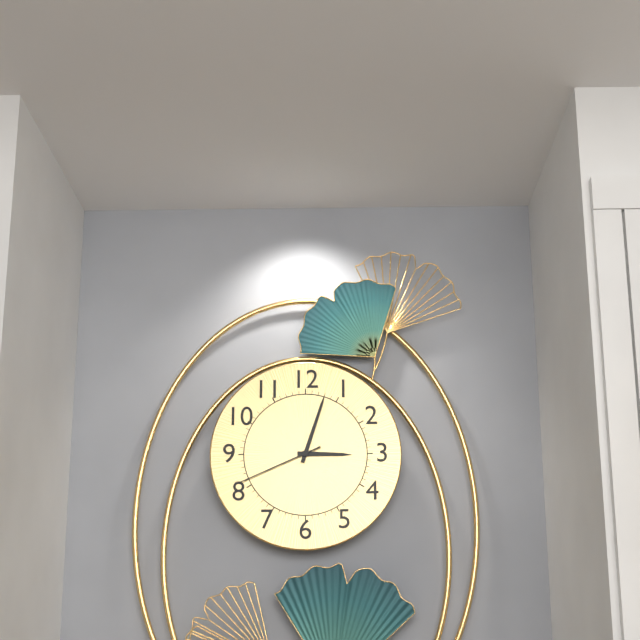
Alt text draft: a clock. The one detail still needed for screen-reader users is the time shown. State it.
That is 3:03:41
